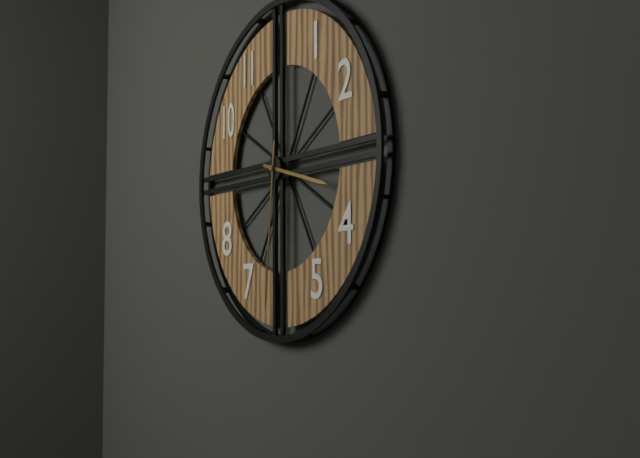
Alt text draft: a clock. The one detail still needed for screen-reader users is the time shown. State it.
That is 3:31
